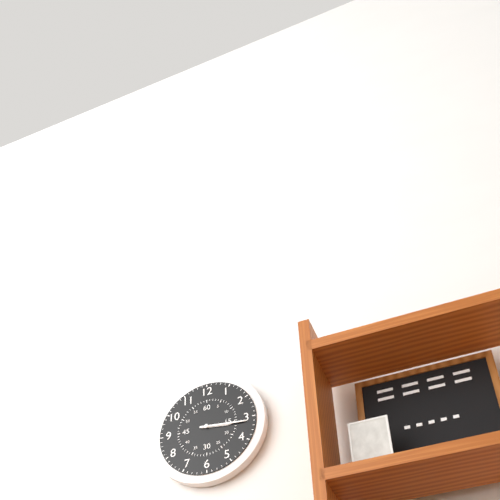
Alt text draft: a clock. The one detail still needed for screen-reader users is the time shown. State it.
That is 3:16
